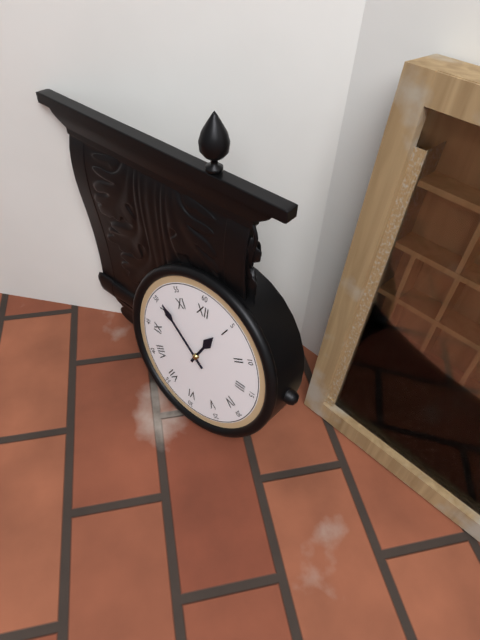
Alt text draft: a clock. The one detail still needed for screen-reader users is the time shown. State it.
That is 12:51
